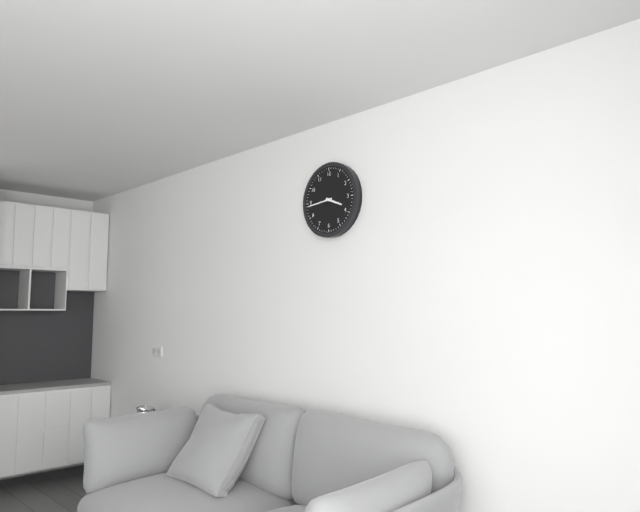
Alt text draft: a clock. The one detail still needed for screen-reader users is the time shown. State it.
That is 3:44
